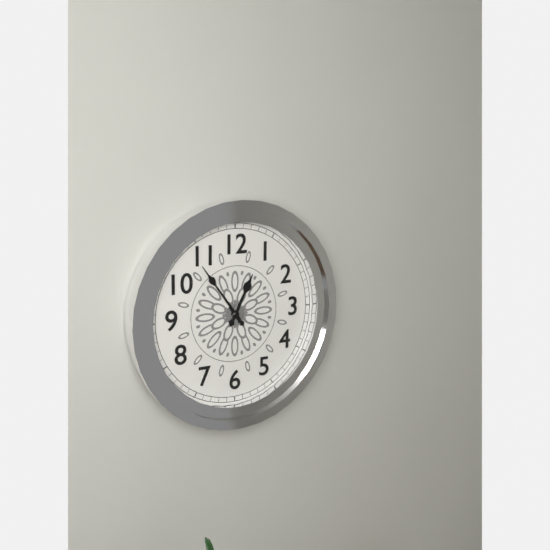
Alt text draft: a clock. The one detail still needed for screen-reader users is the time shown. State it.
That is 12:54
